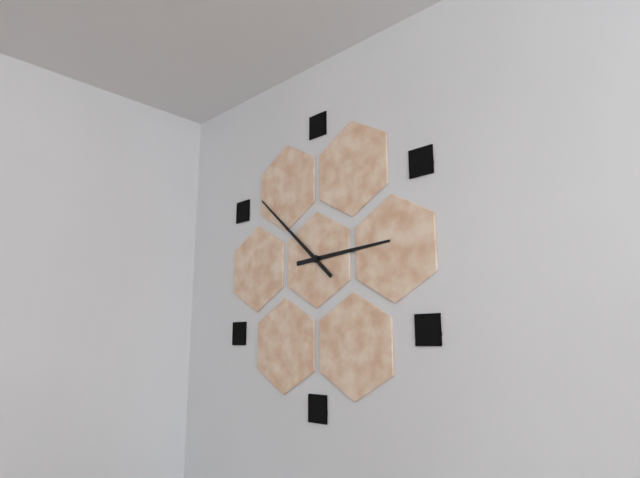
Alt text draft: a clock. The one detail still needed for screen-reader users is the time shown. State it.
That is 2:52
